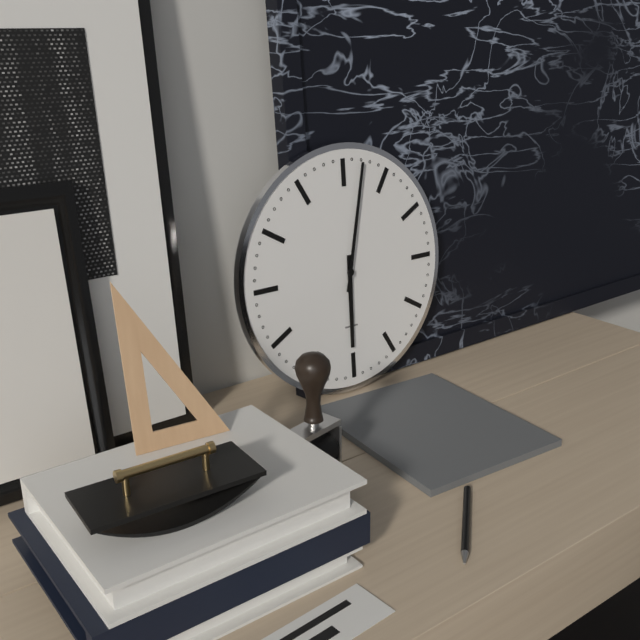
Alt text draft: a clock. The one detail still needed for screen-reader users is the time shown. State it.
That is 6:02
